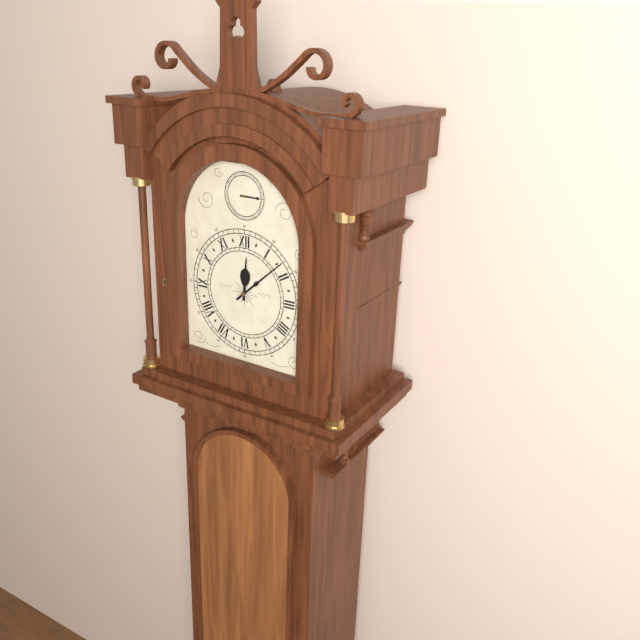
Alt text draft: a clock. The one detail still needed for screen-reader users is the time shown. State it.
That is 12:08
